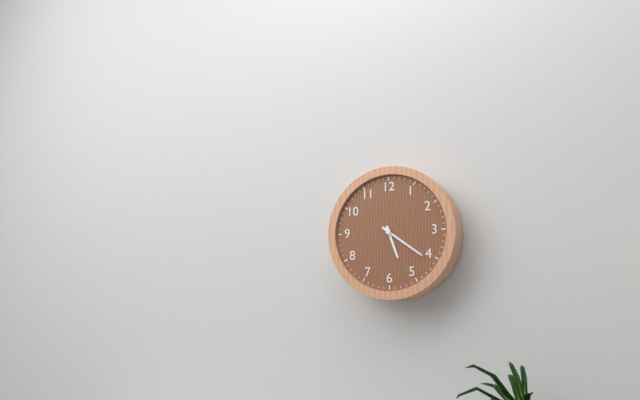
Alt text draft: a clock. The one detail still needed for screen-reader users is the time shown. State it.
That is 5:21
